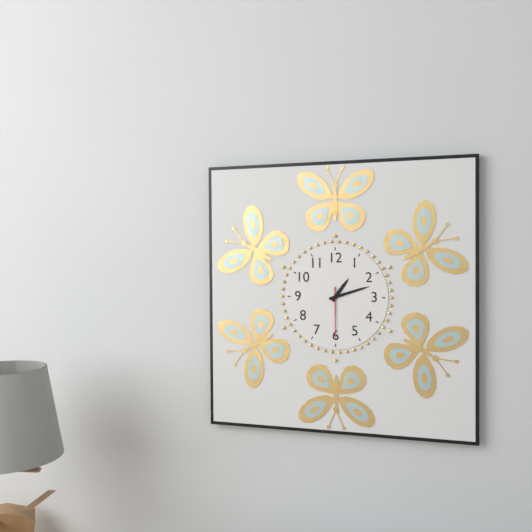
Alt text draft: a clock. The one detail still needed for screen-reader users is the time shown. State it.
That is 1:12:30
